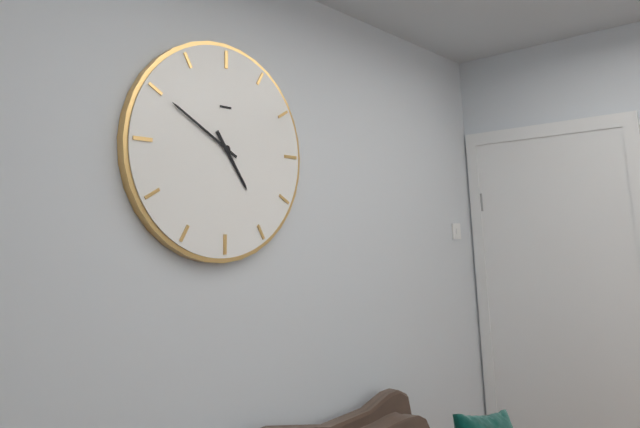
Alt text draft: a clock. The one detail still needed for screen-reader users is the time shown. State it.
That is 4:50
